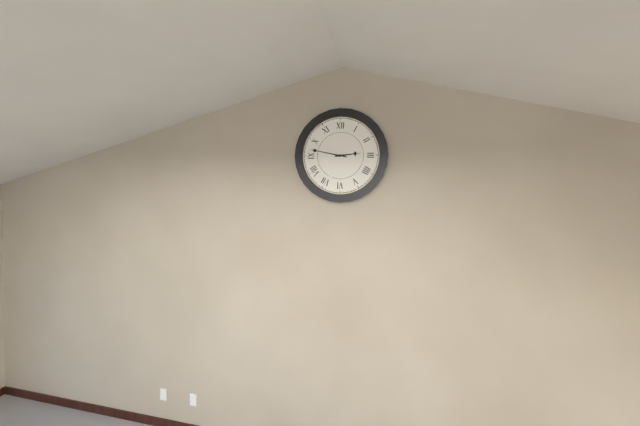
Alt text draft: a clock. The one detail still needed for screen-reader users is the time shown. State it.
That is 2:47
